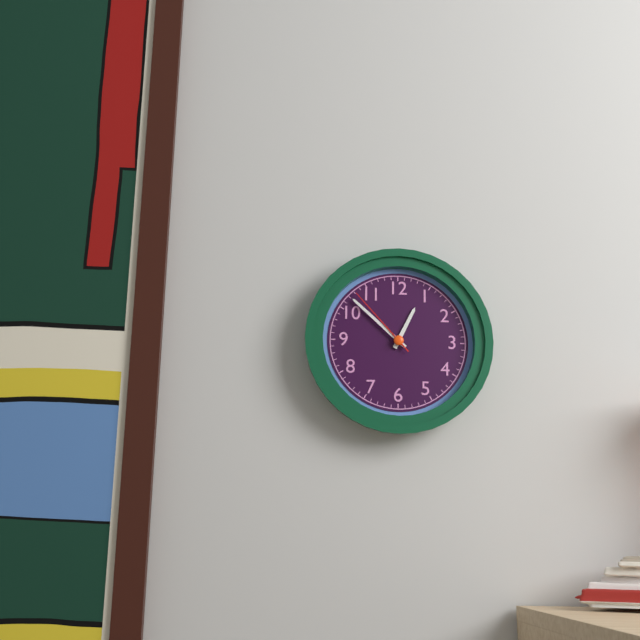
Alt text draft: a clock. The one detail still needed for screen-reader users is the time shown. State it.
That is 12:52:53
